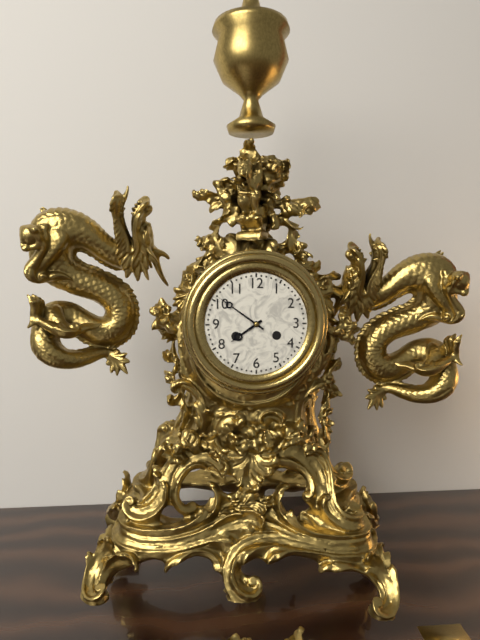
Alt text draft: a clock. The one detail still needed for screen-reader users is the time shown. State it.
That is 7:51
